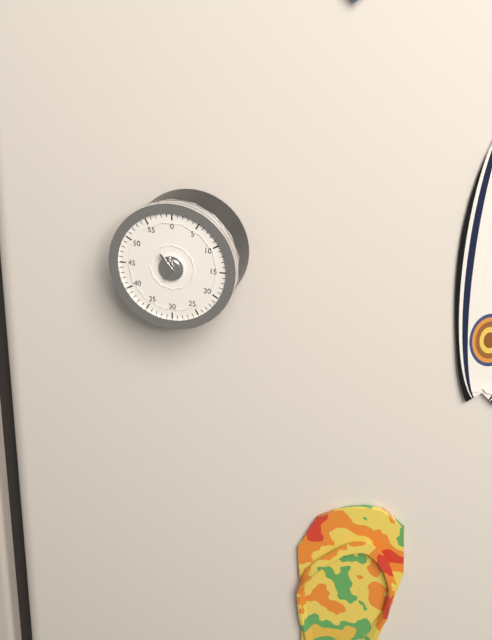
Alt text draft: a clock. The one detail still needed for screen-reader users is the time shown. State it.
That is 6:55
